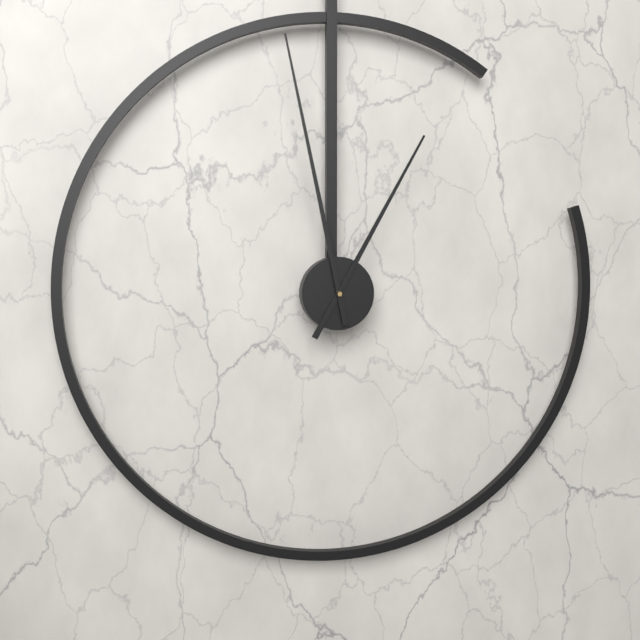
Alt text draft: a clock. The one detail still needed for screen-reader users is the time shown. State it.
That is 12:58
